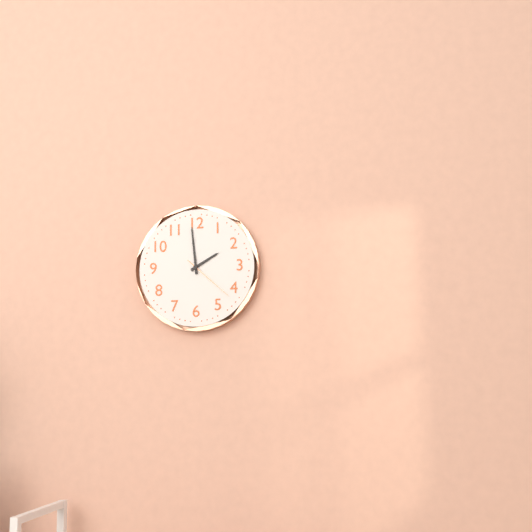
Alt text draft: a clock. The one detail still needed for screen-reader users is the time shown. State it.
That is 1:59:22
